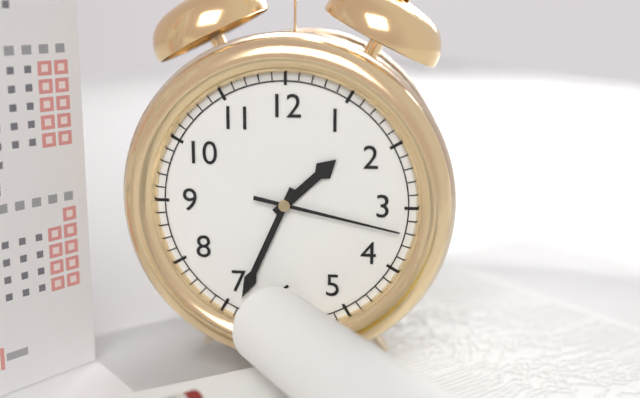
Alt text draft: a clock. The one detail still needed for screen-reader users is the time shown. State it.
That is 1:34:17
